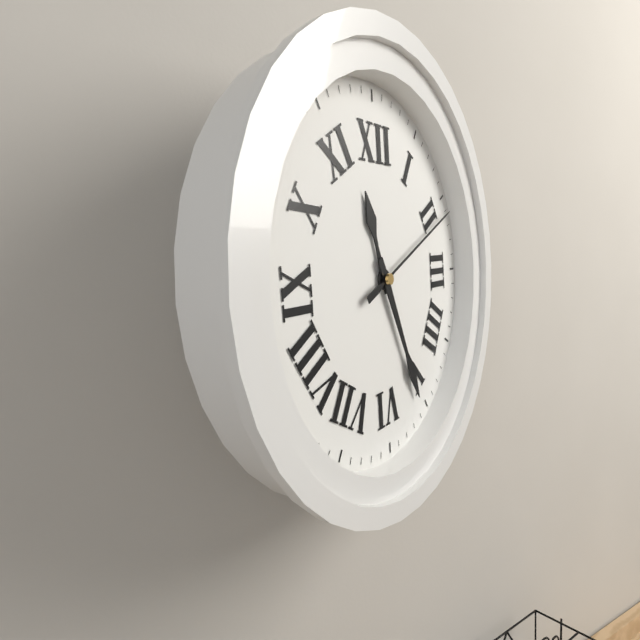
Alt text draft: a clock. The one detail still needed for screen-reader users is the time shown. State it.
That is 11:26:11
